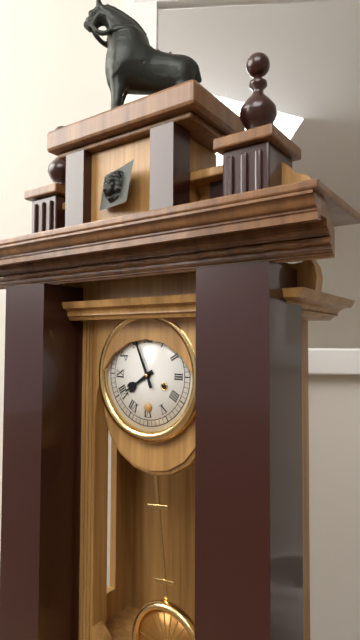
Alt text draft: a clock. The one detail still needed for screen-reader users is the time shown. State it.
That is 7:56
